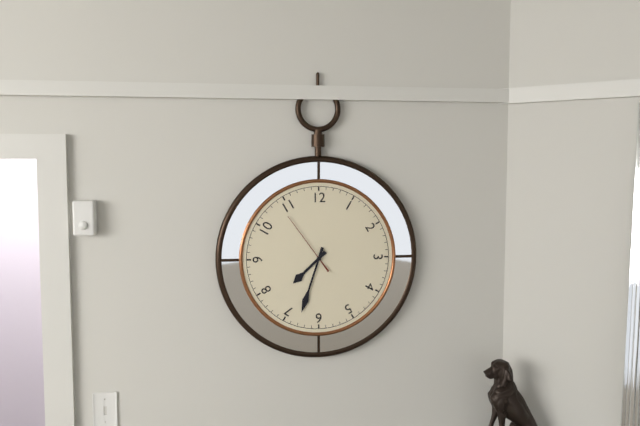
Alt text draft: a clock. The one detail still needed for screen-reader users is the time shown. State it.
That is 7:33:54
